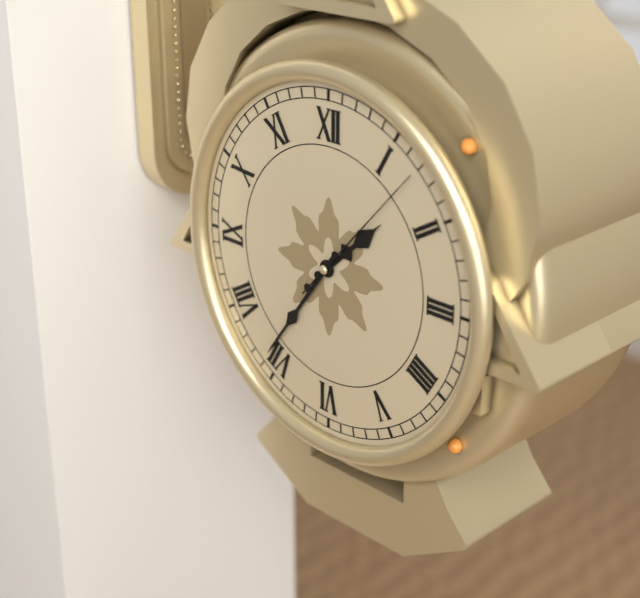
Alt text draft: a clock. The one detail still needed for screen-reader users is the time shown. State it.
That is 1:36:07
